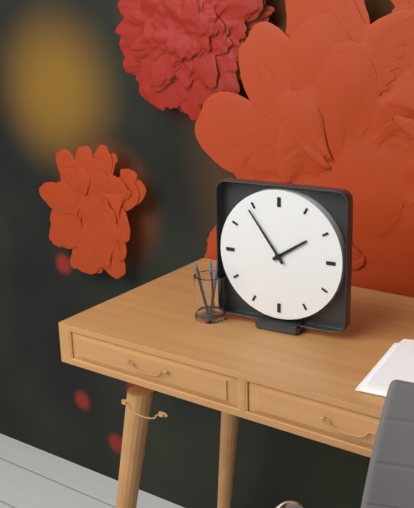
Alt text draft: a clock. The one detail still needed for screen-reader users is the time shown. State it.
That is 1:54
